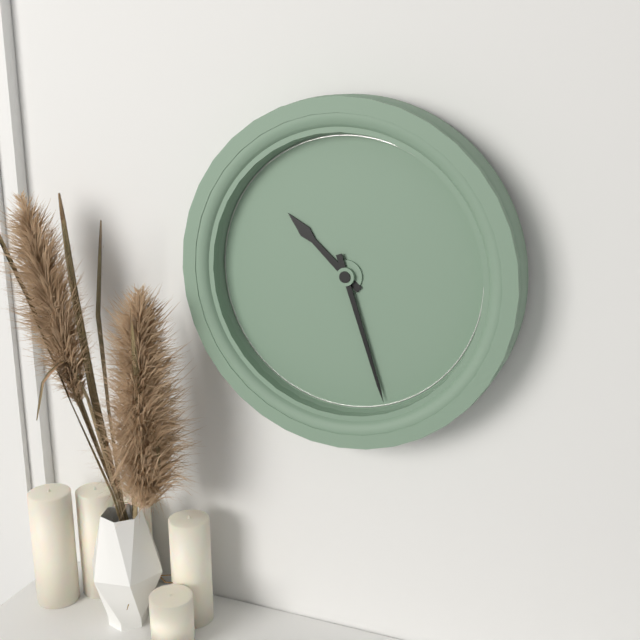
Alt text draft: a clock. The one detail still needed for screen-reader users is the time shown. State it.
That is 10:27
